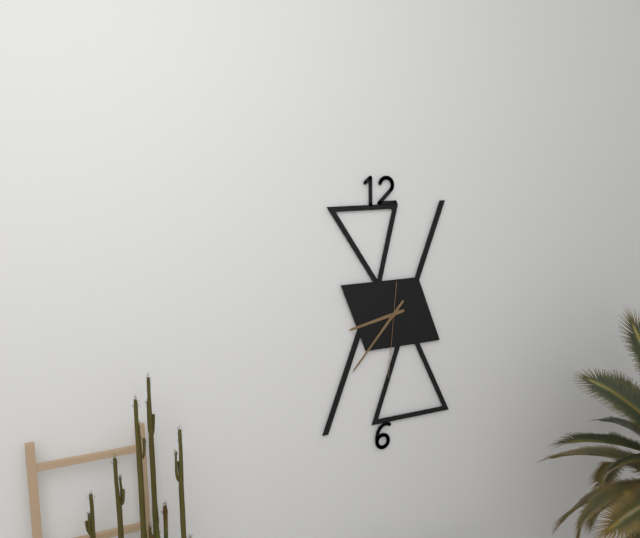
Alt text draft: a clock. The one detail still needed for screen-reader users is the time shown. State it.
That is 8:37:31
